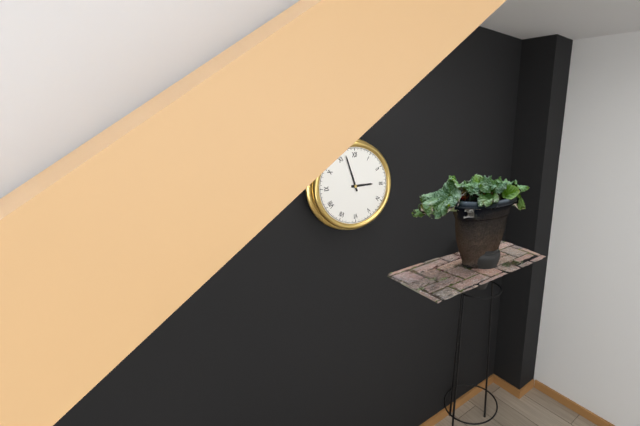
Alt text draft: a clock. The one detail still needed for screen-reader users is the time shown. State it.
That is 2:57
